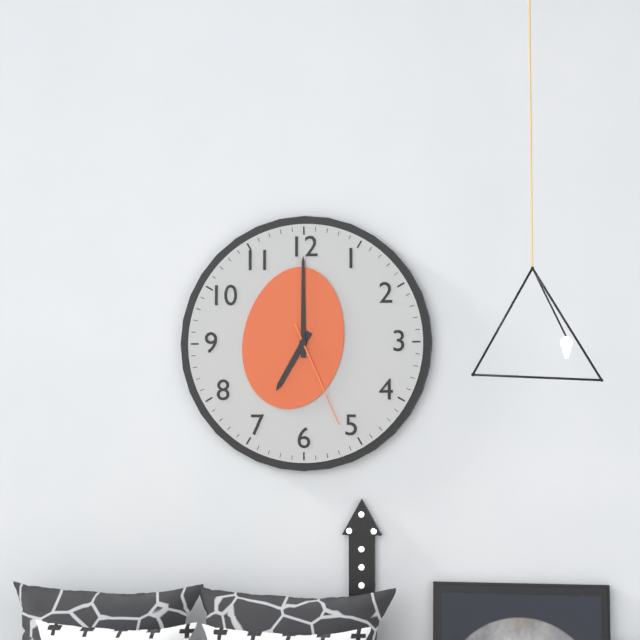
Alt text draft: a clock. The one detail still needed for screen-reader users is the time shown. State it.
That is 7:00:26
